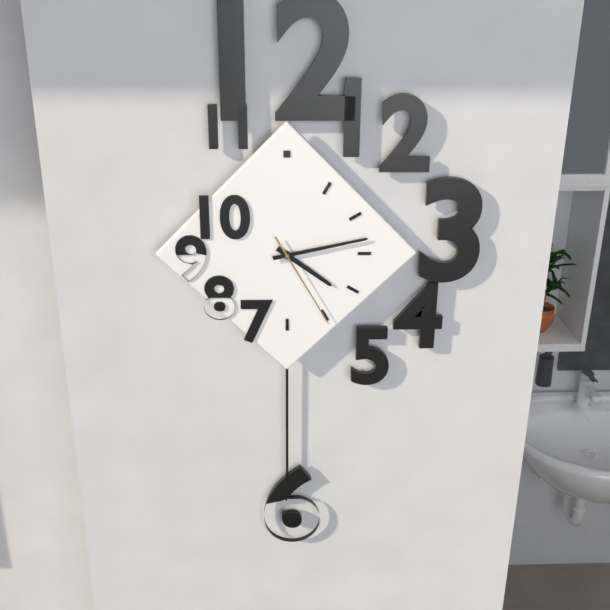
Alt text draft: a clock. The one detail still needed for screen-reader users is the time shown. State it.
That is 4:13:25
